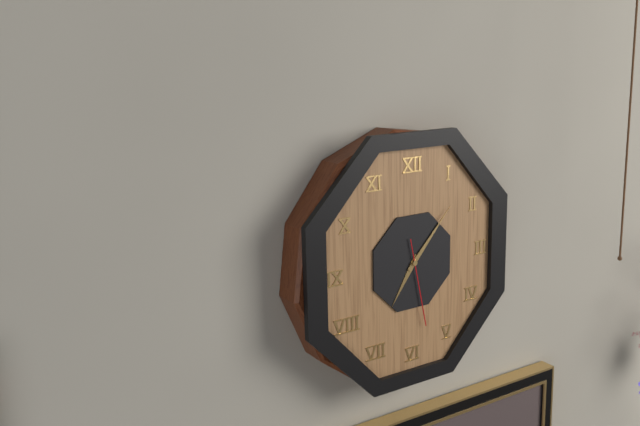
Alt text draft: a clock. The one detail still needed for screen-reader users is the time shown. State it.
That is 7:07:28
